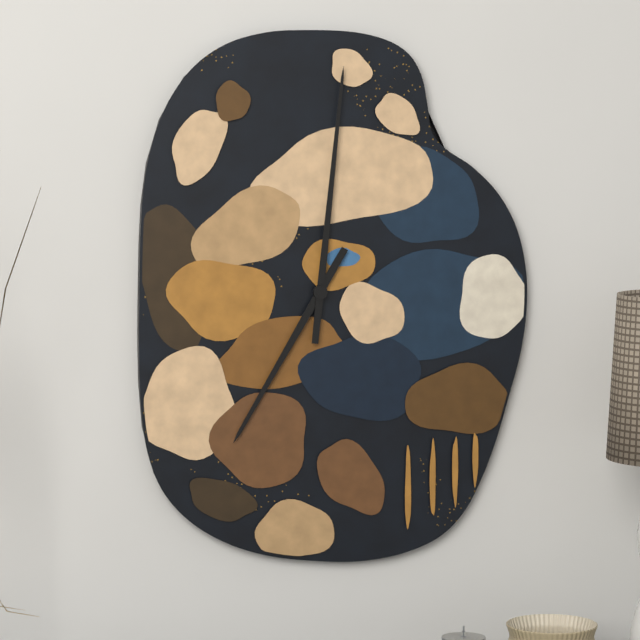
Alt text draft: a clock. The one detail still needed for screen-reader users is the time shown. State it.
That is 7:01
